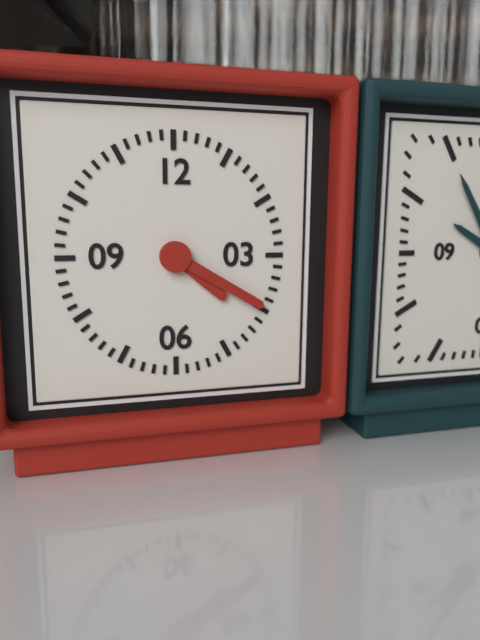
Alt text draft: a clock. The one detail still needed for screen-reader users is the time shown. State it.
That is 4:20
